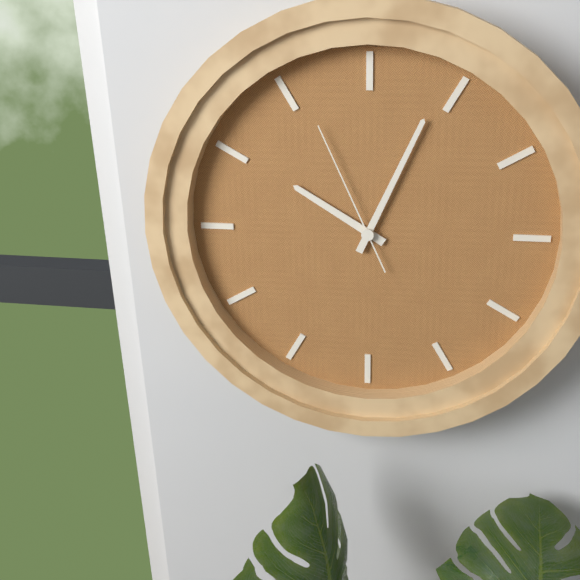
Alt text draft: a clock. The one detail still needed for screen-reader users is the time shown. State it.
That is 10:04:56
